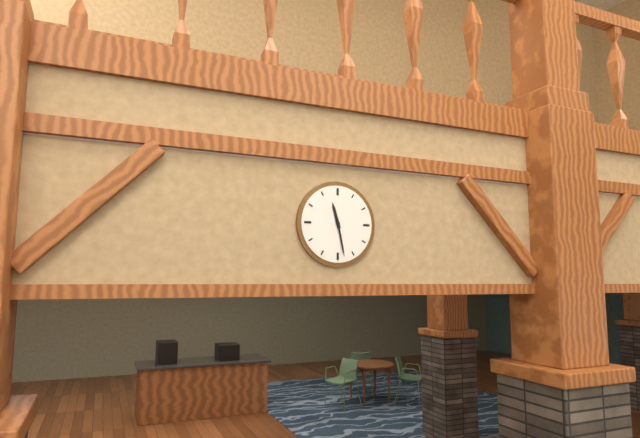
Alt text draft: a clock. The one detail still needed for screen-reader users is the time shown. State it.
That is 11:28
